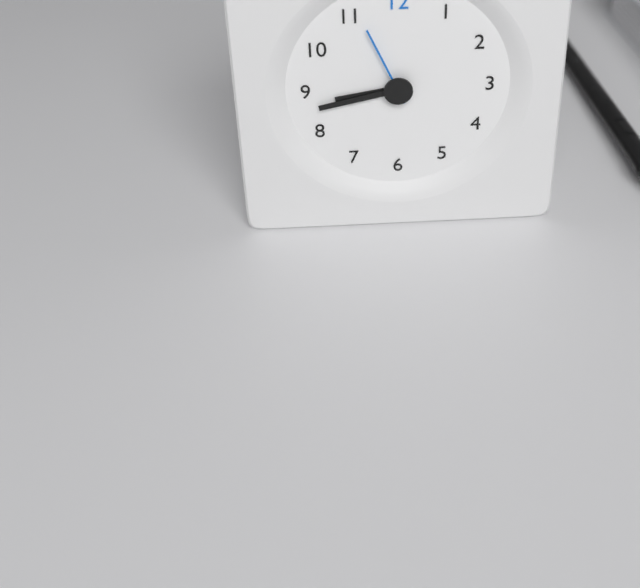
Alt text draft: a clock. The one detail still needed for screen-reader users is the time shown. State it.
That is 8:43:56
